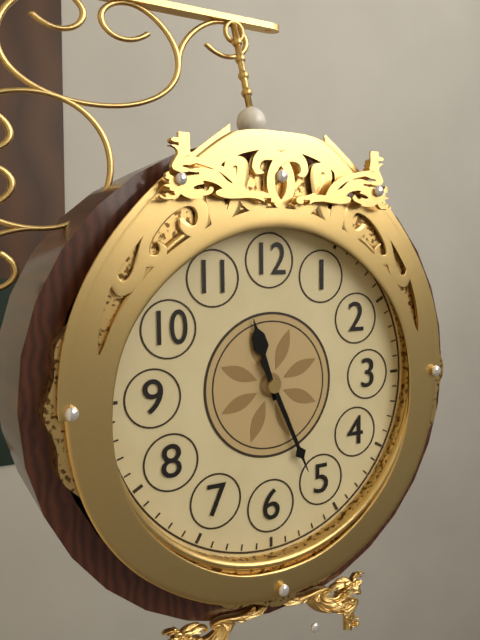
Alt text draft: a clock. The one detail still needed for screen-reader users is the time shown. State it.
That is 11:26
